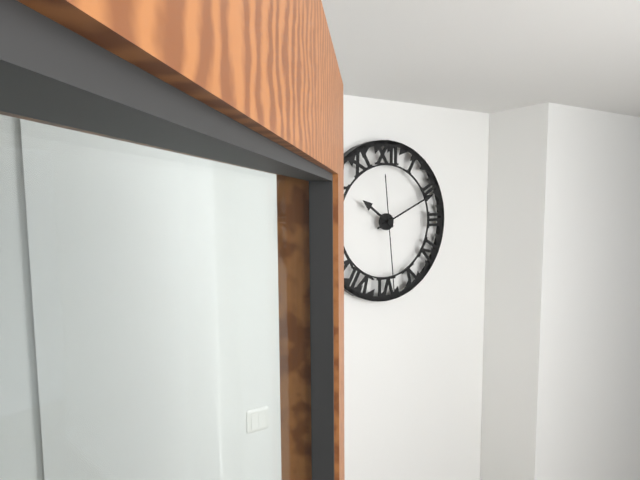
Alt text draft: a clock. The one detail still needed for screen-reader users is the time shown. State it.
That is 10:11:29
